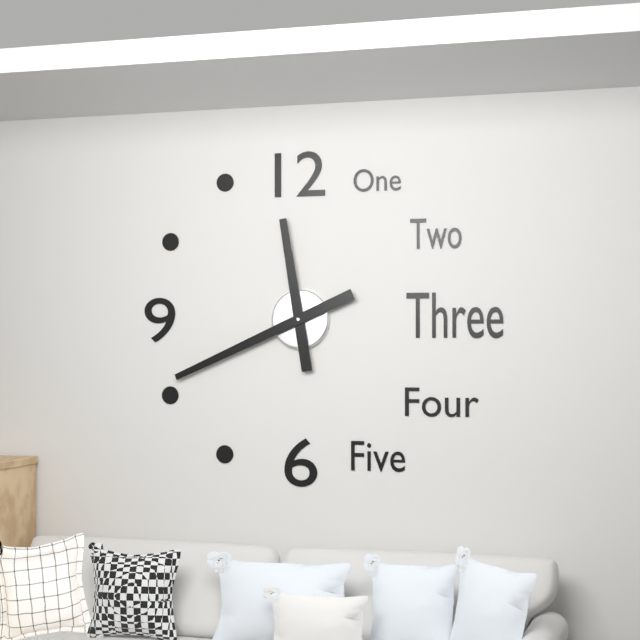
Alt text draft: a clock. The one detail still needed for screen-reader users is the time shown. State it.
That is 11:41
